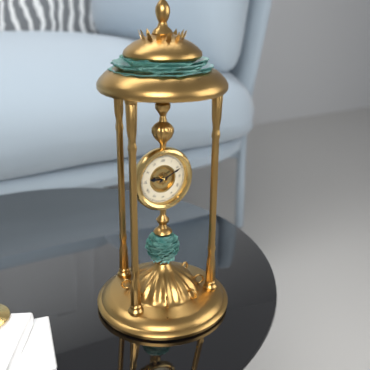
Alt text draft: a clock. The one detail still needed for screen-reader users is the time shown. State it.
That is 9:11
